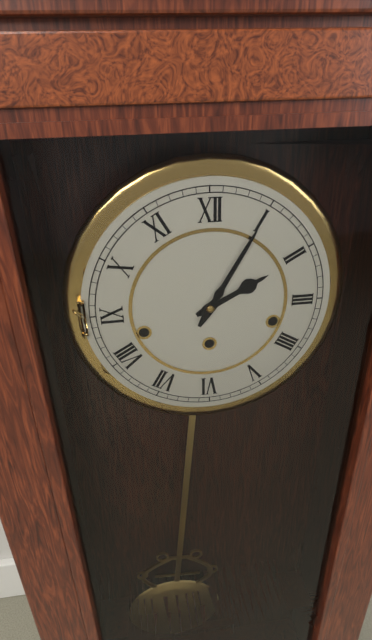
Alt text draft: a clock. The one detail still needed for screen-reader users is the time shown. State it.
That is 2:05
